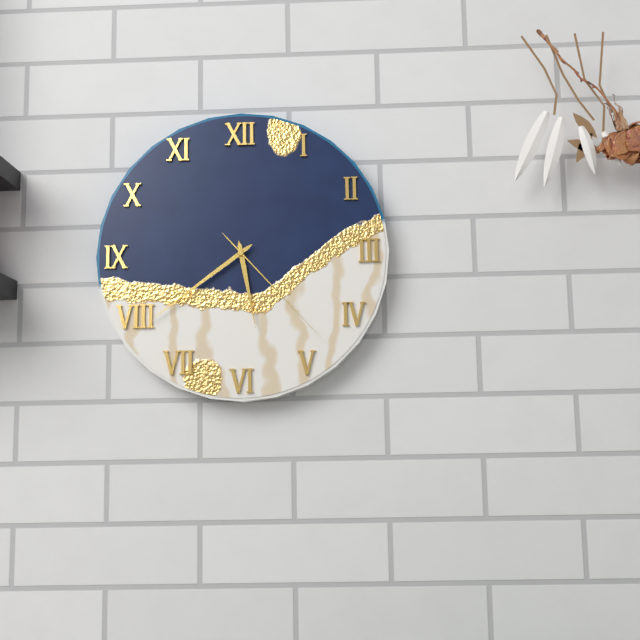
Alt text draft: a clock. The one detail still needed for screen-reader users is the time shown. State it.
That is 5:39:23
